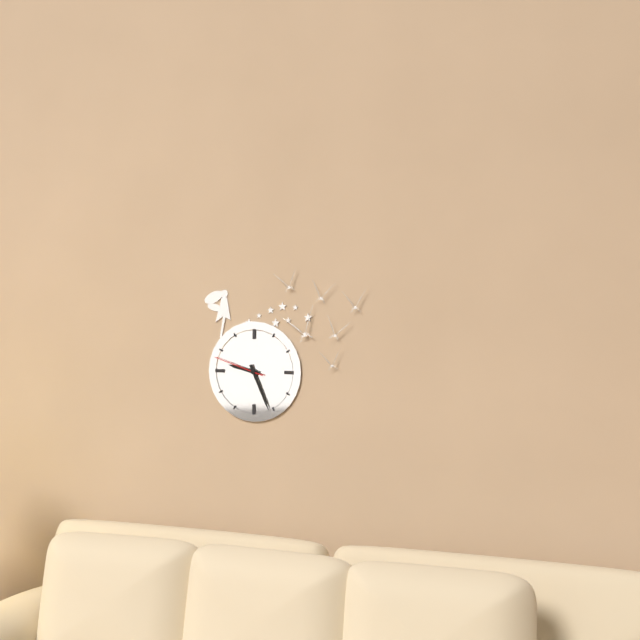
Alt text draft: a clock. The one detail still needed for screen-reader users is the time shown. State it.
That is 9:26:48
